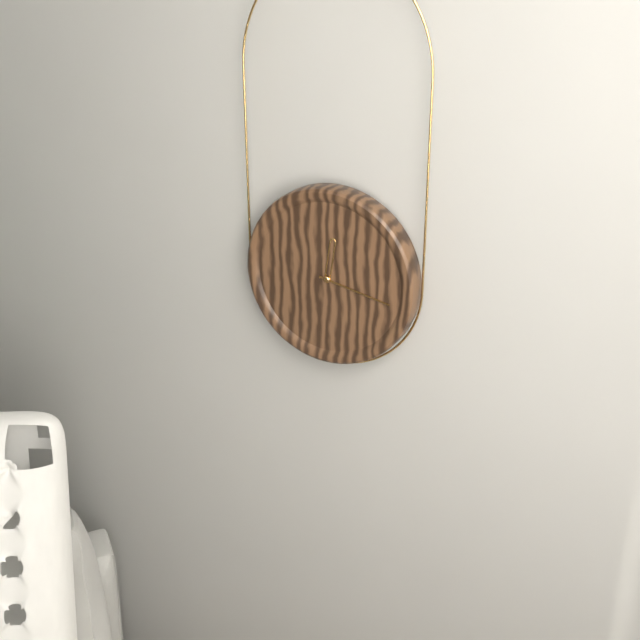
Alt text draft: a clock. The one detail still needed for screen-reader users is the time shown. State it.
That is 12:17
